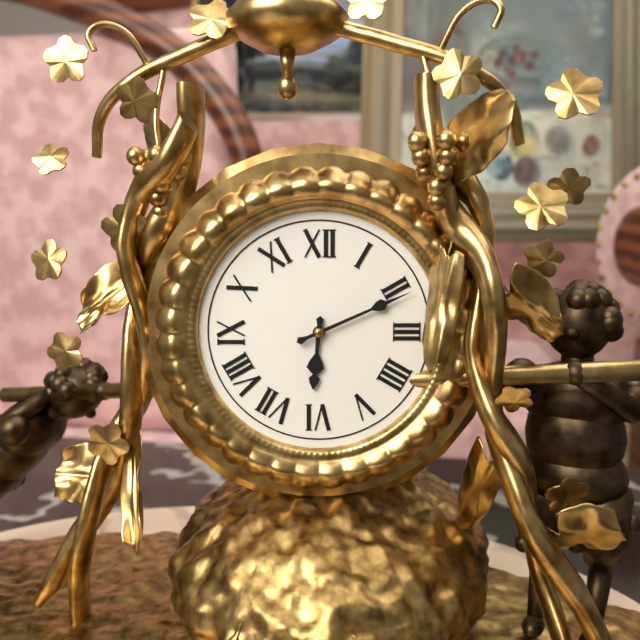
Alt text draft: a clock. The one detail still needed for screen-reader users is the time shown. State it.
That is 6:11
